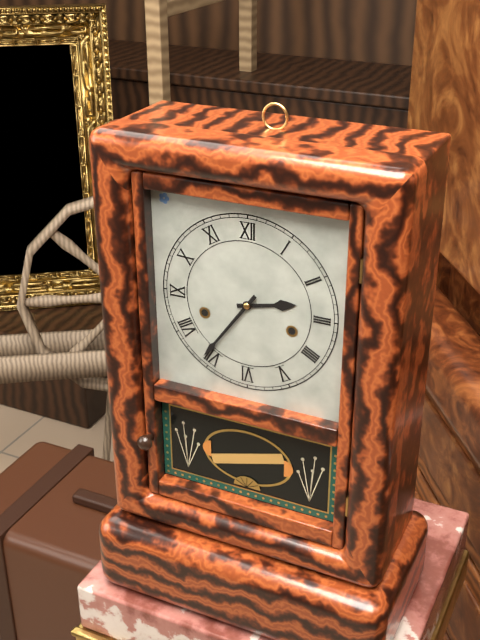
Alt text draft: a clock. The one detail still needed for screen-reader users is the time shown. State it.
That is 2:36
